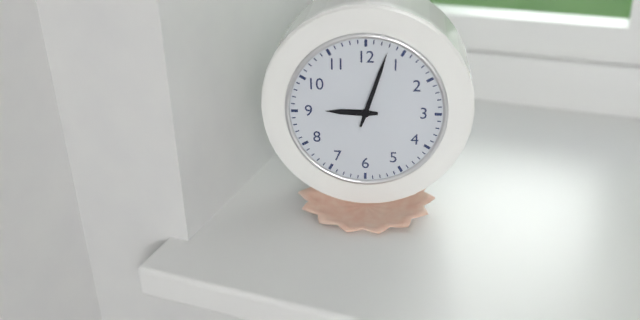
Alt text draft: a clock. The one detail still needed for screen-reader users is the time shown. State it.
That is 9:03
